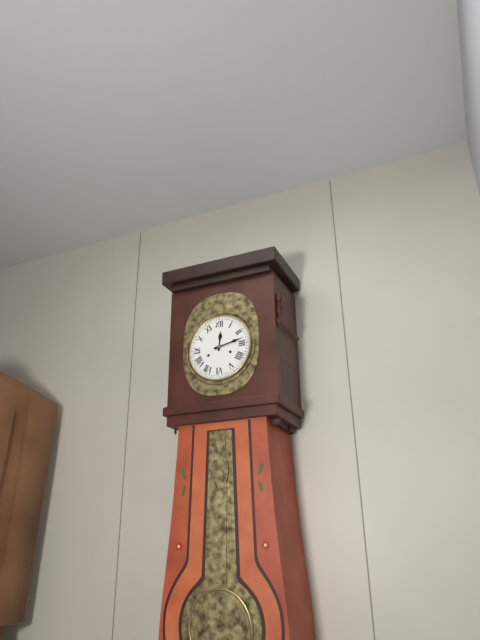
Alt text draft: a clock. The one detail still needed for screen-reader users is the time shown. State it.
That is 12:13
